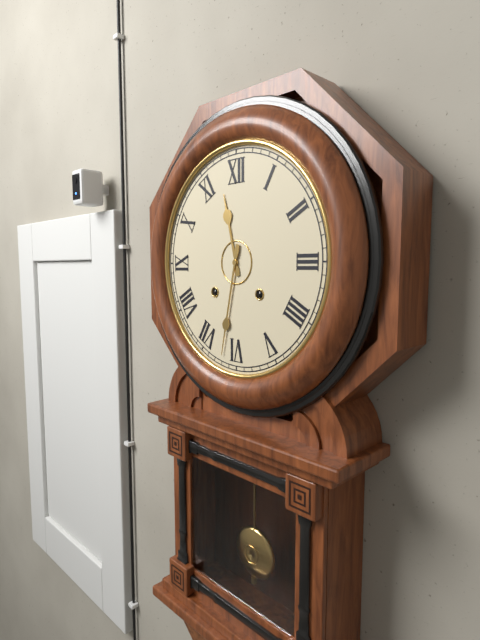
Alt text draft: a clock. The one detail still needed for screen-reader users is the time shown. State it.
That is 11:32
